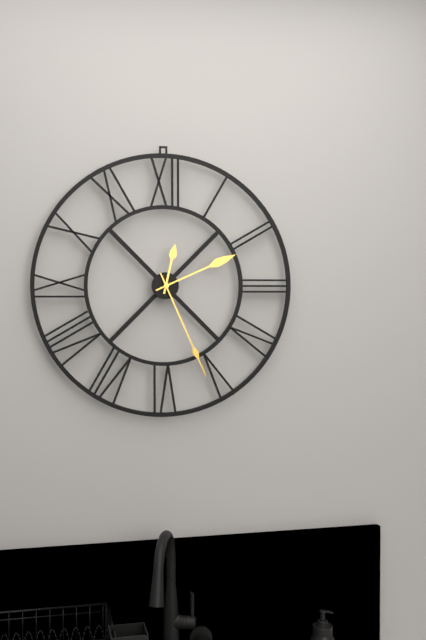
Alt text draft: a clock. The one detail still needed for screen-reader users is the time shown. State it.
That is 12:26:11
